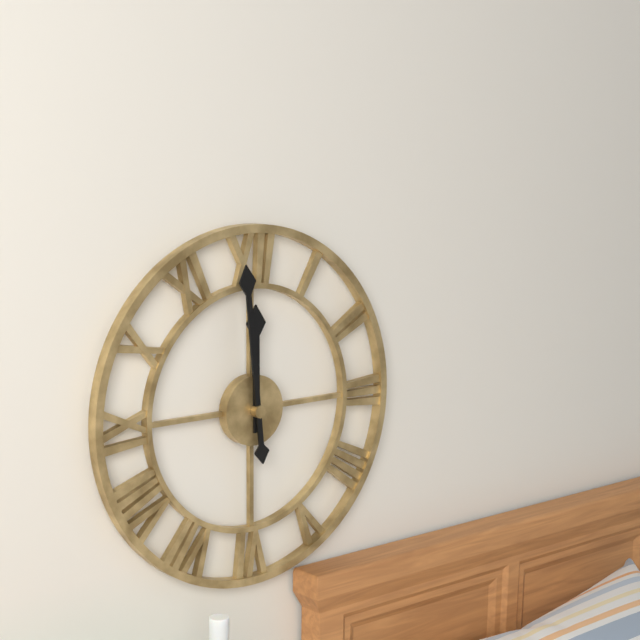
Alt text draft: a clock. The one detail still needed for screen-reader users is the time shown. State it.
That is 11:59
